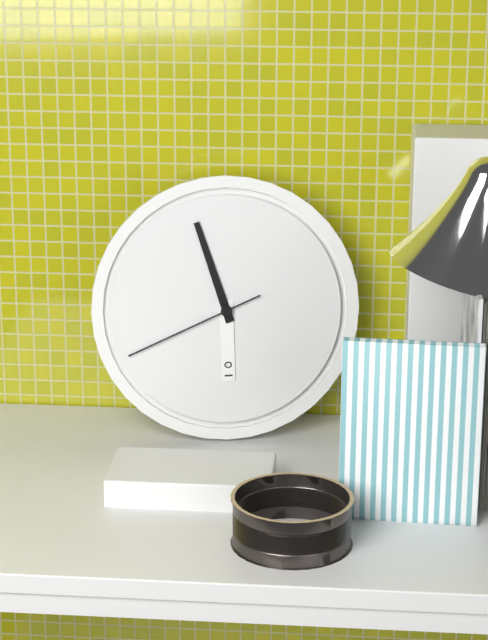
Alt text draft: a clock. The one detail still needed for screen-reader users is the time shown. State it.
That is 5:57:41
